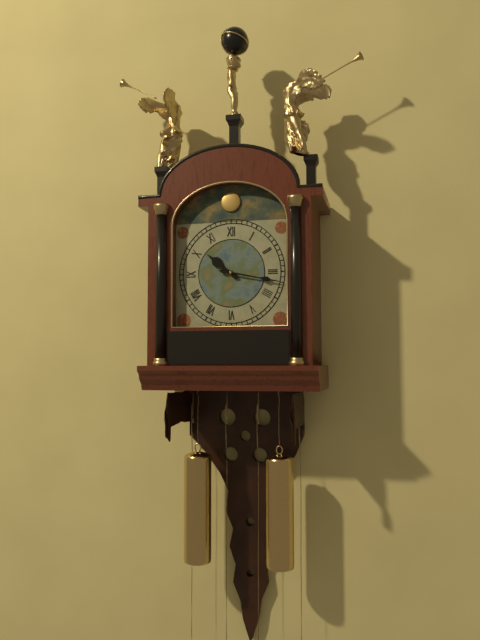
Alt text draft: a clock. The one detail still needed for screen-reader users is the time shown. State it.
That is 10:17
